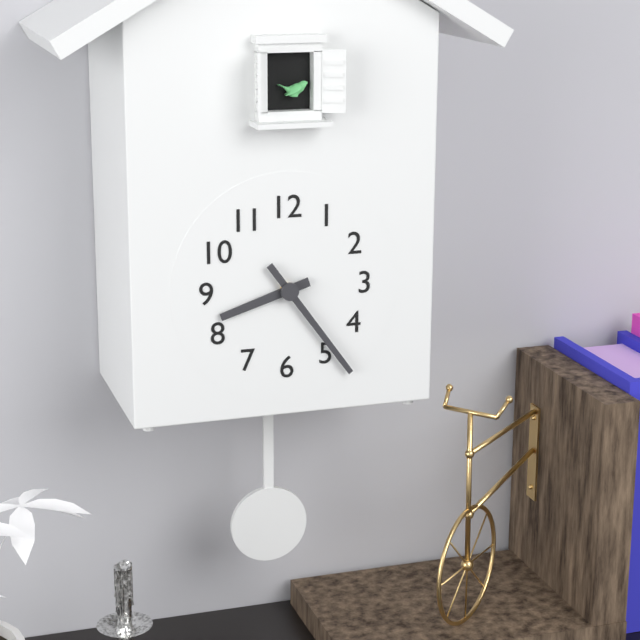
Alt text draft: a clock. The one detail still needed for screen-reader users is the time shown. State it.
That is 8:24
